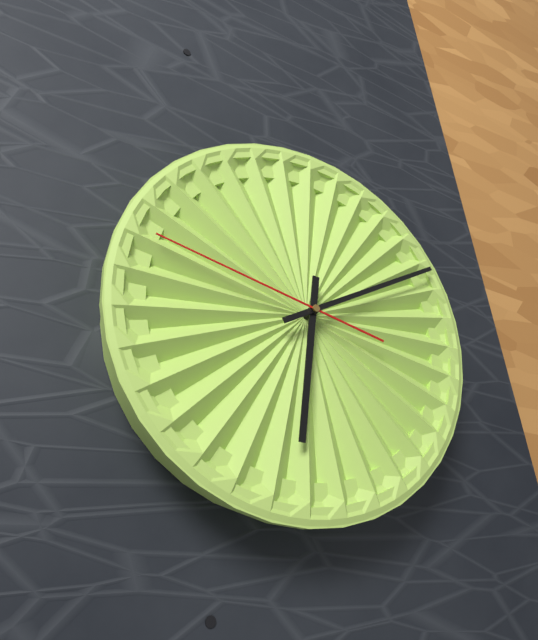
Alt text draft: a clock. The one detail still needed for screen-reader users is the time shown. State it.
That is 6:10:47
